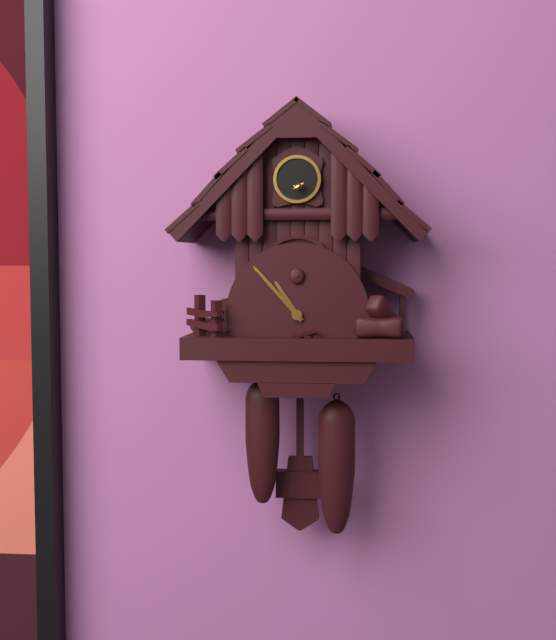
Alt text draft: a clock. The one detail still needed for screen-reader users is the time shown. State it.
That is 10:53
